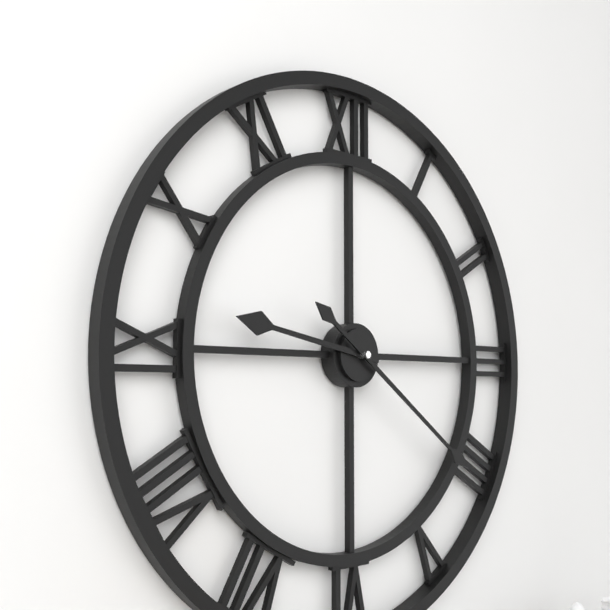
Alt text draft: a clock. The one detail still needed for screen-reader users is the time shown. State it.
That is 9:21
